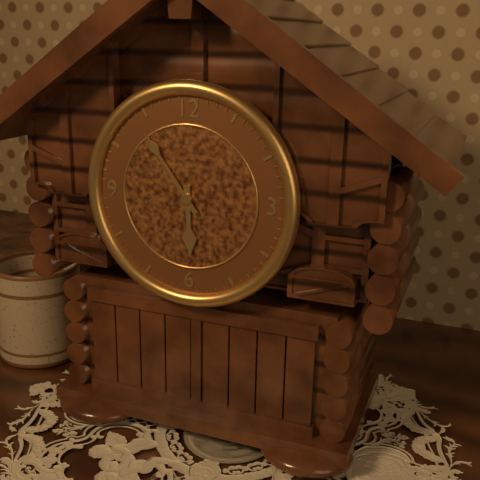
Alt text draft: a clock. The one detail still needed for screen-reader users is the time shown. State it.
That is 5:54
